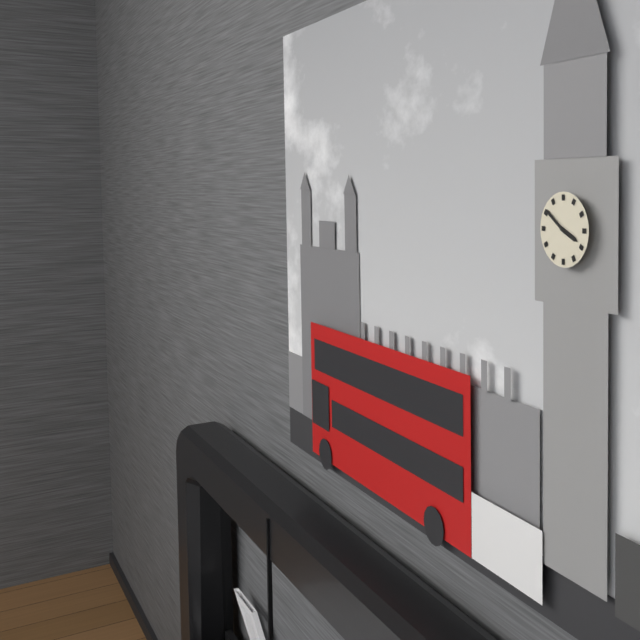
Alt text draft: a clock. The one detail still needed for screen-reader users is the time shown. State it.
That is 3:51
